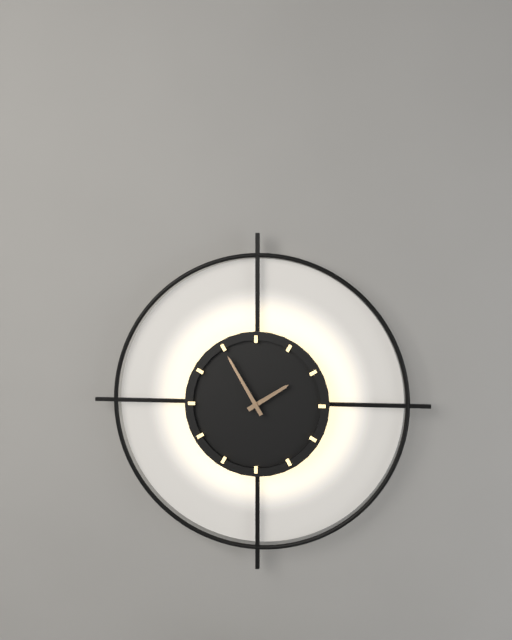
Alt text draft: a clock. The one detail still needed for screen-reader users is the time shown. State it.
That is 1:55
